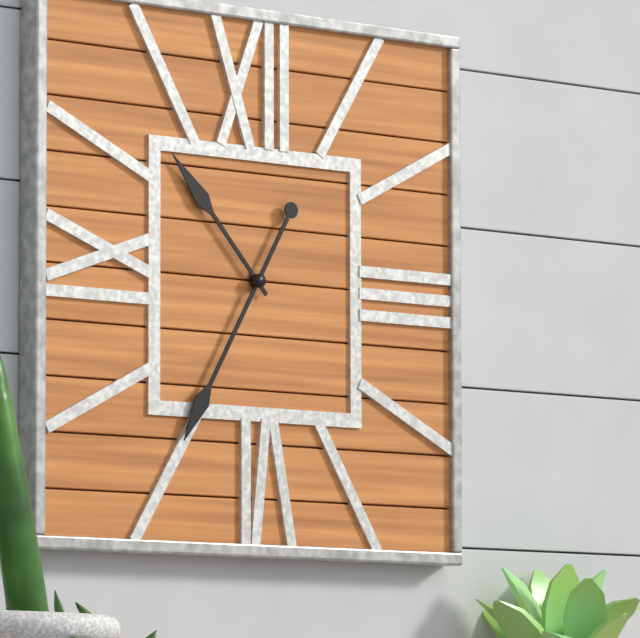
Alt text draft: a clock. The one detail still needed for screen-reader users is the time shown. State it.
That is 10:35
